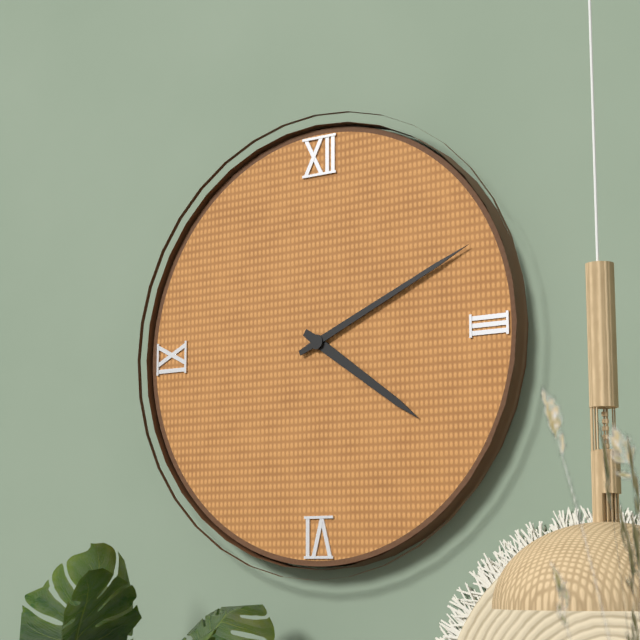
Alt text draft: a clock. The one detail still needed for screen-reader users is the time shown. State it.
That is 4:11
